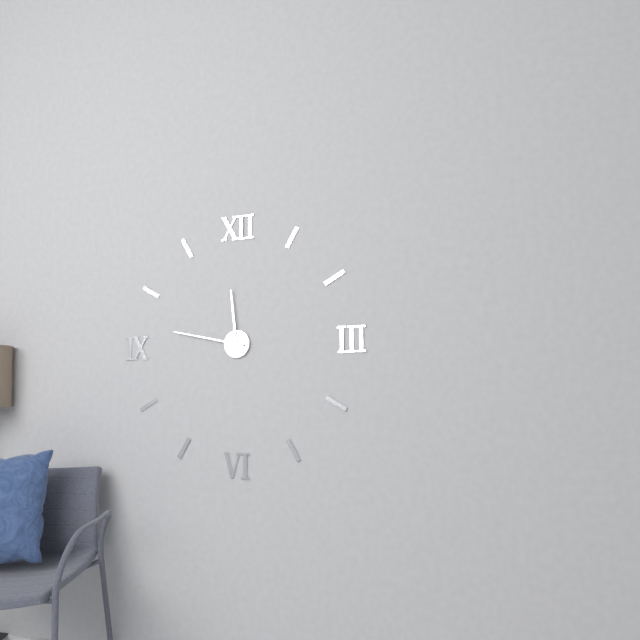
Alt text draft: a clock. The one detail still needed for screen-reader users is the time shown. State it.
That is 11:47
